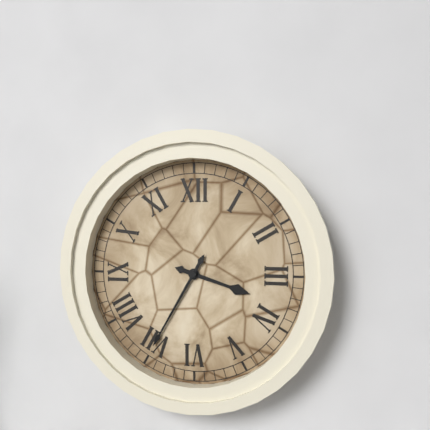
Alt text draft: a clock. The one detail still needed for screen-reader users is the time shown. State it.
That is 3:35
